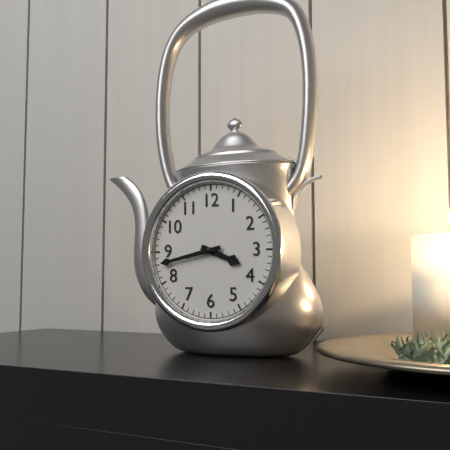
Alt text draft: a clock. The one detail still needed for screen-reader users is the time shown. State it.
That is 3:43
